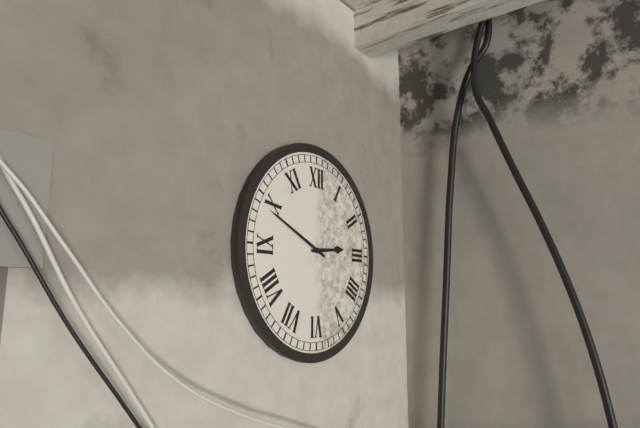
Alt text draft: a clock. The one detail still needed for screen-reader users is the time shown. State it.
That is 2:49
